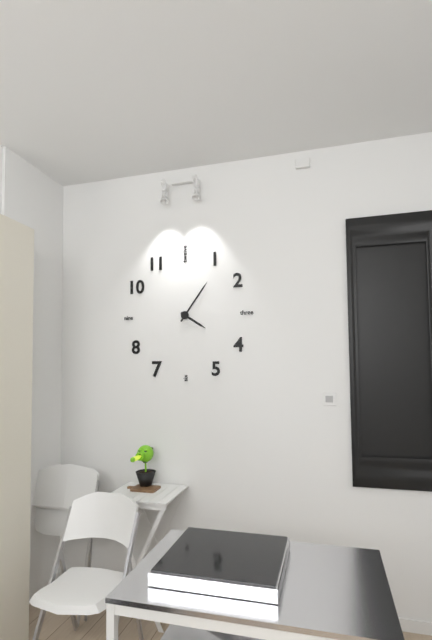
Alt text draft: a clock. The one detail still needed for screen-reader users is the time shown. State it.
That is 4:06
